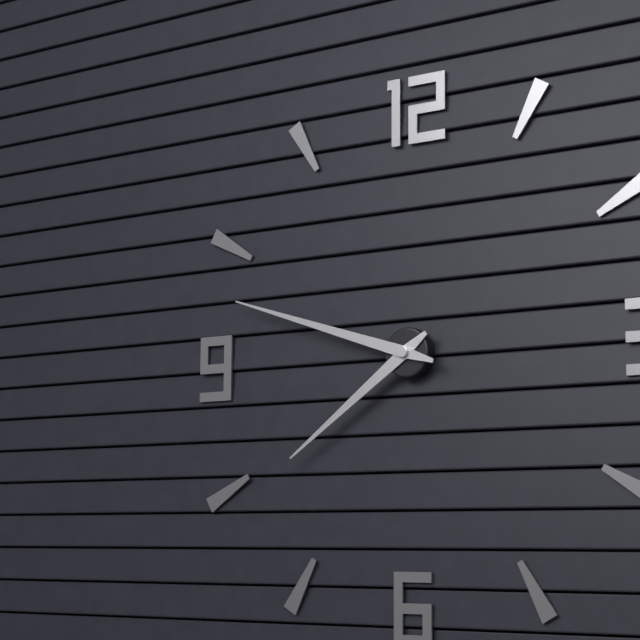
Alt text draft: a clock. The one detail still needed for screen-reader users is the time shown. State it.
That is 7:48
